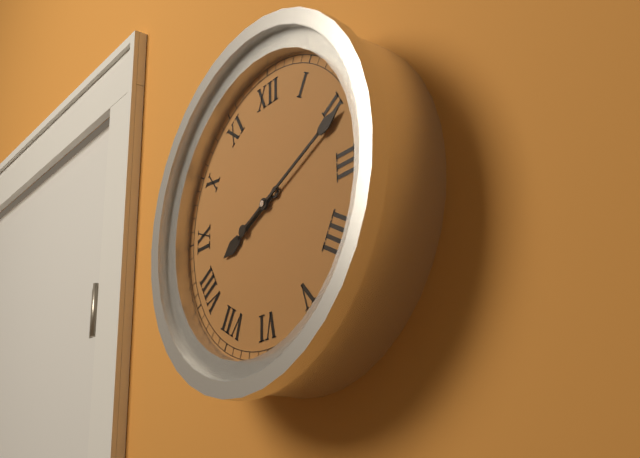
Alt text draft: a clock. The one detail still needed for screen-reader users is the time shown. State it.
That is 8:11
